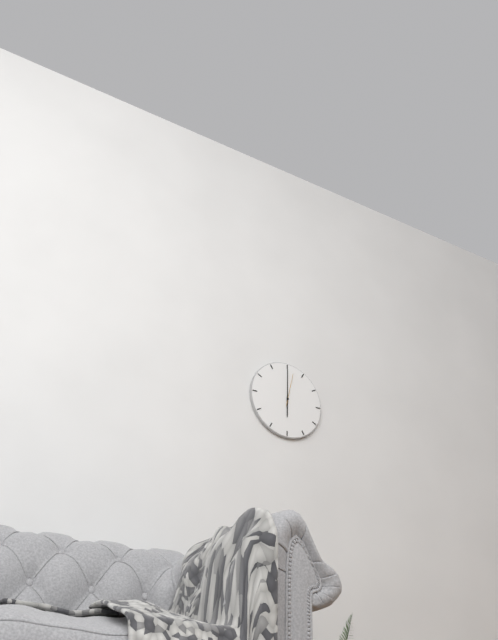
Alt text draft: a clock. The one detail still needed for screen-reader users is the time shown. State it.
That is 6:00
